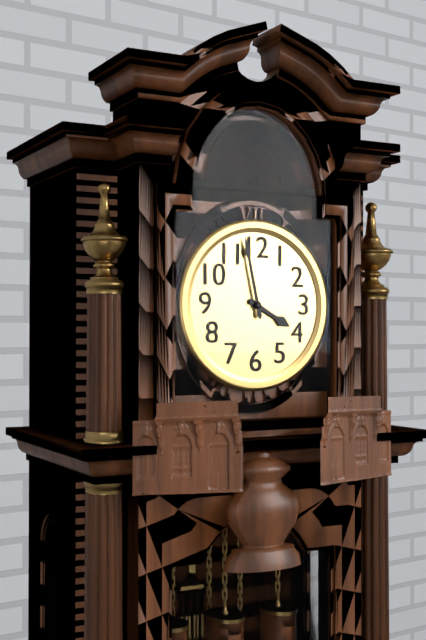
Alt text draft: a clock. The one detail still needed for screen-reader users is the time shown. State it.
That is 3:58
